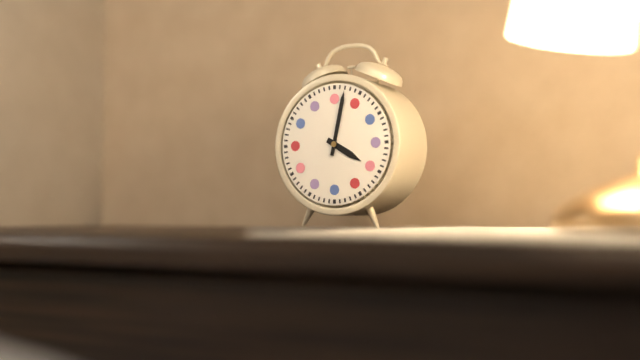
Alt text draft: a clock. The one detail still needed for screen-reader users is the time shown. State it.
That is 4:02
